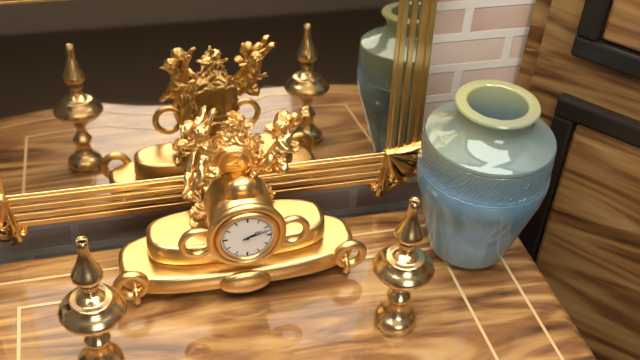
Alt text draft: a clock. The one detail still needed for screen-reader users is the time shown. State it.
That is 2:12
